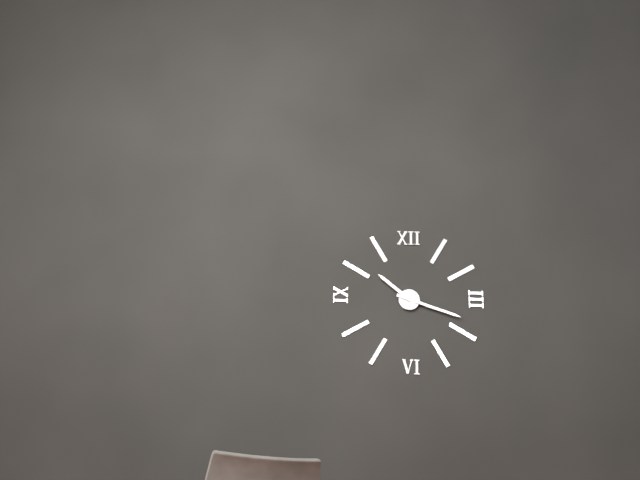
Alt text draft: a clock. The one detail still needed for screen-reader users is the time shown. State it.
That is 10:18
